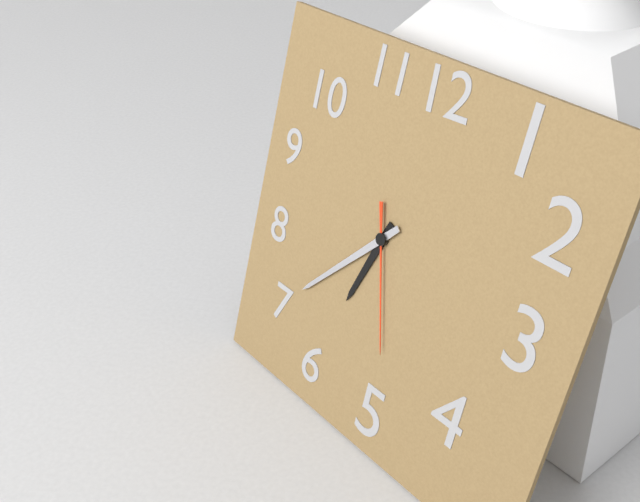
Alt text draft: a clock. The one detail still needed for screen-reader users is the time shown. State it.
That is 6:37:27
